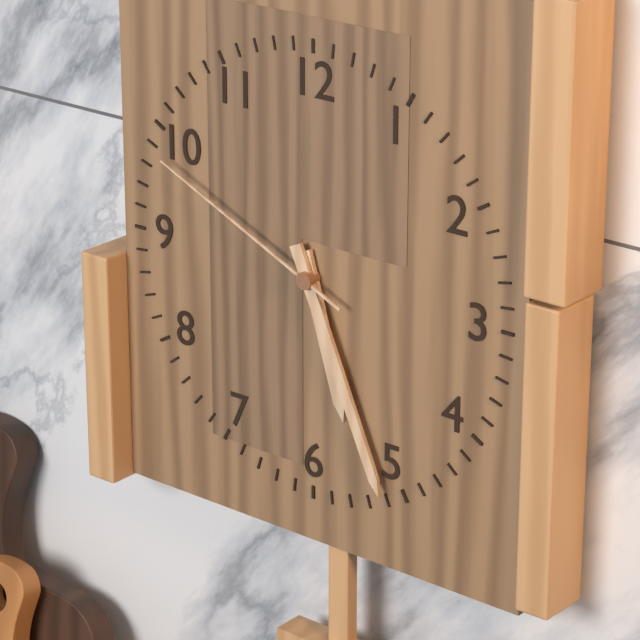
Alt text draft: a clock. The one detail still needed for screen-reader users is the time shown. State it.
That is 5:26:49
